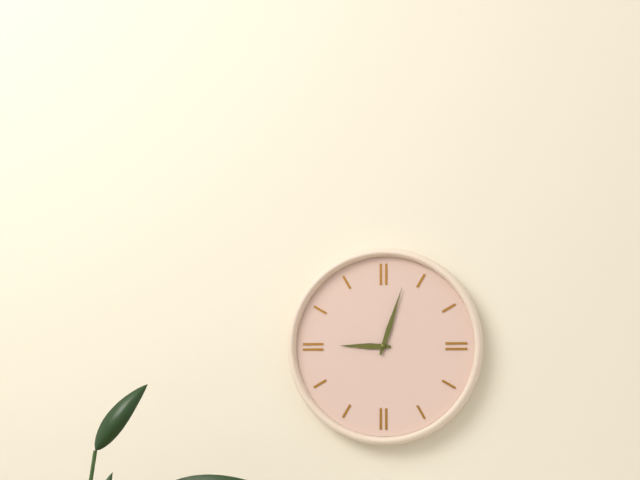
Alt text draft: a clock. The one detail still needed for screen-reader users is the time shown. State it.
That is 9:03
